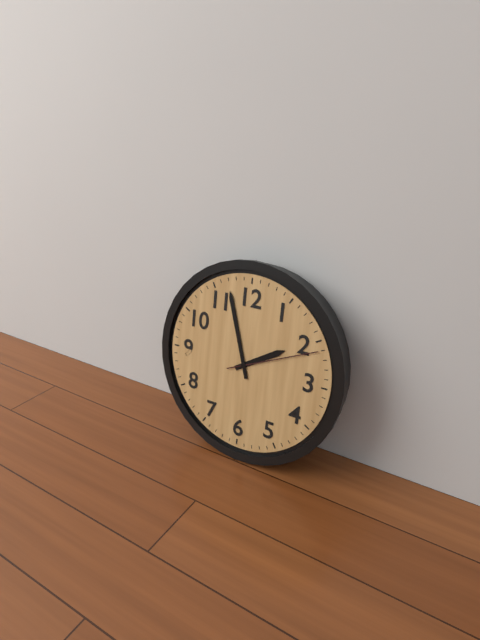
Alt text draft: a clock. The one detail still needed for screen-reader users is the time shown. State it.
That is 1:57:11
